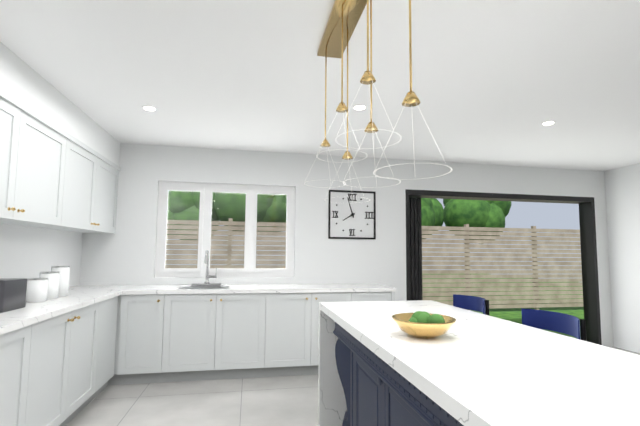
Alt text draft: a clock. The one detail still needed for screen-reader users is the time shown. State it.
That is 7:57
